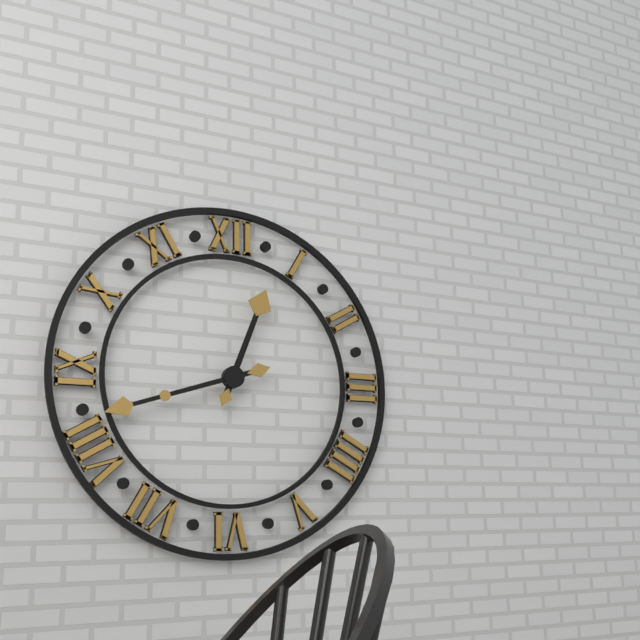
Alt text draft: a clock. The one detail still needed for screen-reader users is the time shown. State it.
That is 12:42
